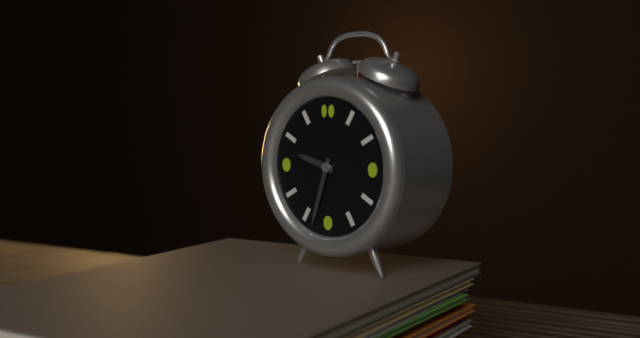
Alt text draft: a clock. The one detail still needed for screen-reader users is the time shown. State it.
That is 9:33
